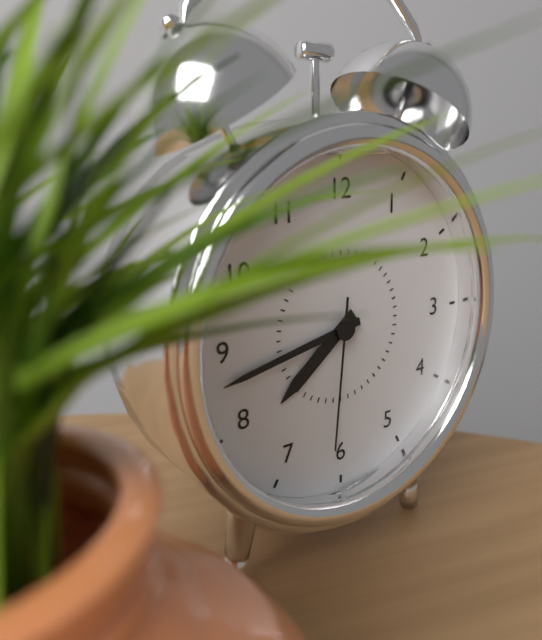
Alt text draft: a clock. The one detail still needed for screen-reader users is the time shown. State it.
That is 7:43:31
